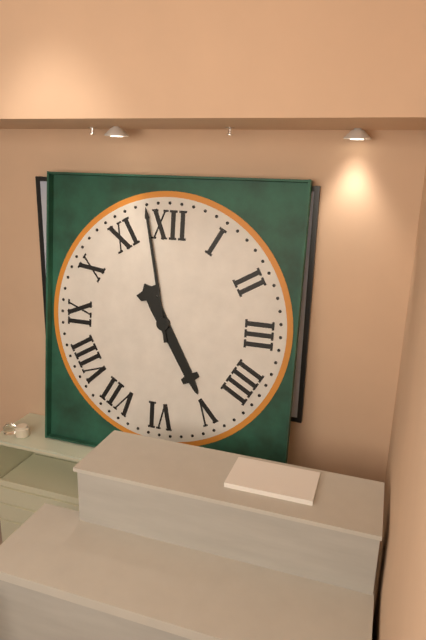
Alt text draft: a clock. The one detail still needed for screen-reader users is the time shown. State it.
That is 4:58
